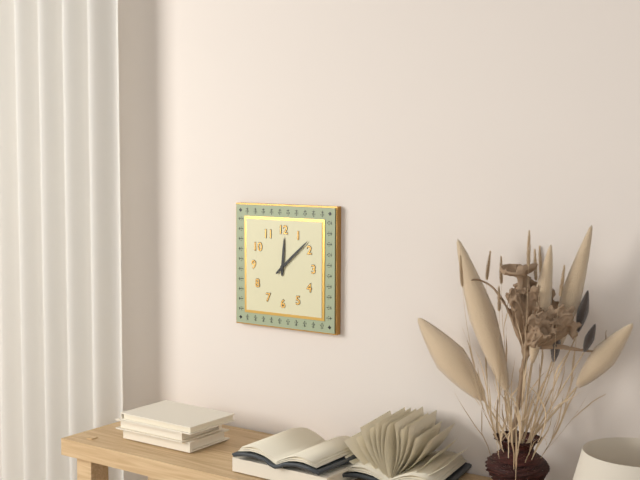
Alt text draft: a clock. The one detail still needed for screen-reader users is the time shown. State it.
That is 12:08
